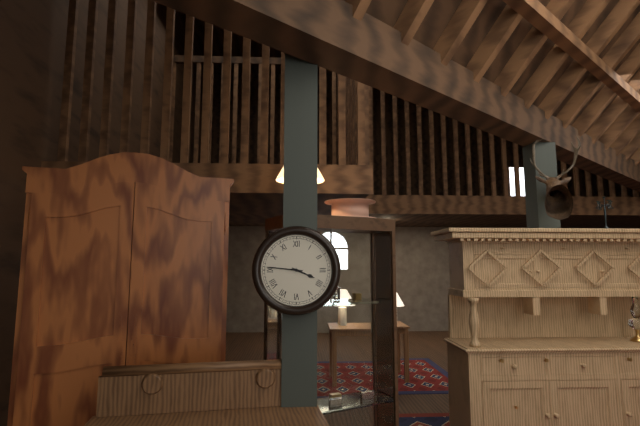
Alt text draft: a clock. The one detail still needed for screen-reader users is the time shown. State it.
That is 3:46
